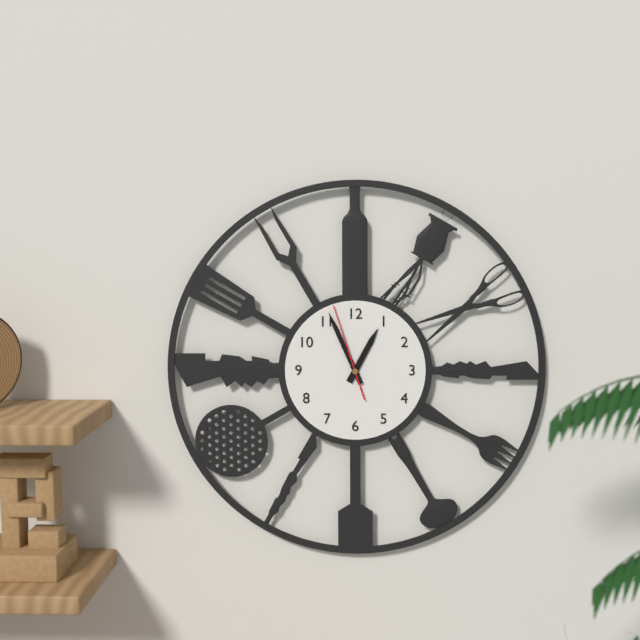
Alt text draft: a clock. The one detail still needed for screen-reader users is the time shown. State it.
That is 12:56:57
